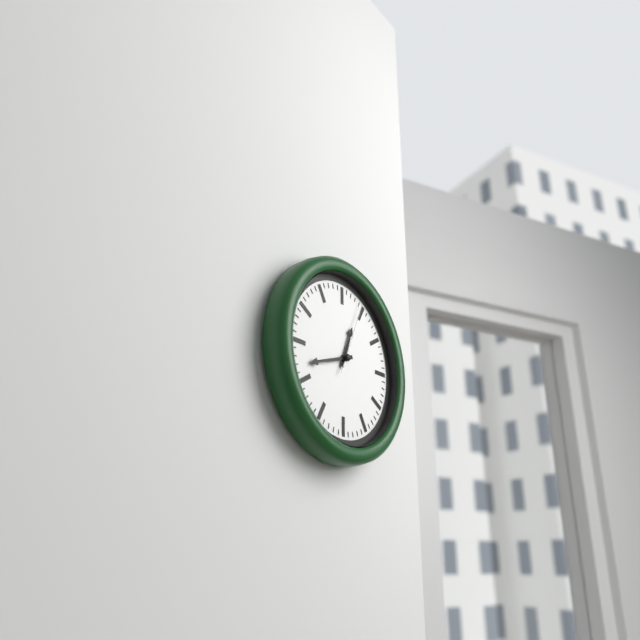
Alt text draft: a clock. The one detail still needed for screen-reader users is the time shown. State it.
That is 12:42:04
